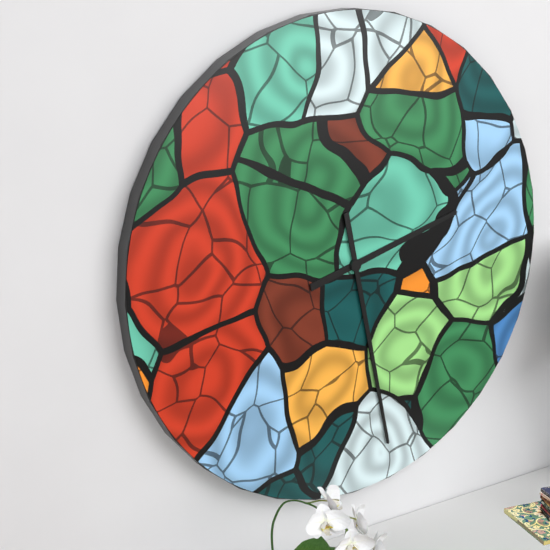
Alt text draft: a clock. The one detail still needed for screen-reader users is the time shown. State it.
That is 2:28
